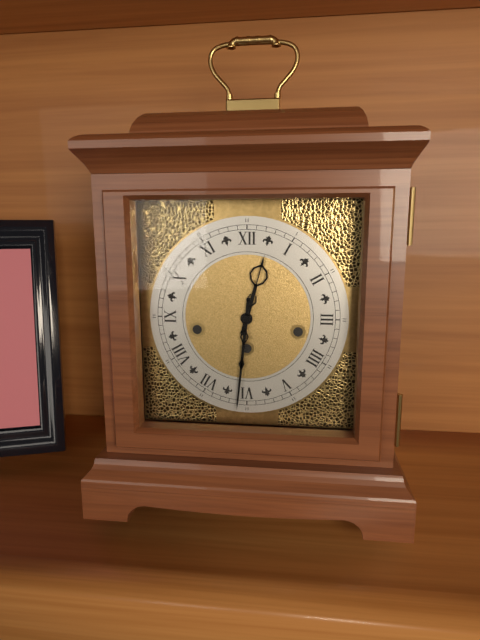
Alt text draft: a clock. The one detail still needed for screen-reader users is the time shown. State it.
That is 12:31
